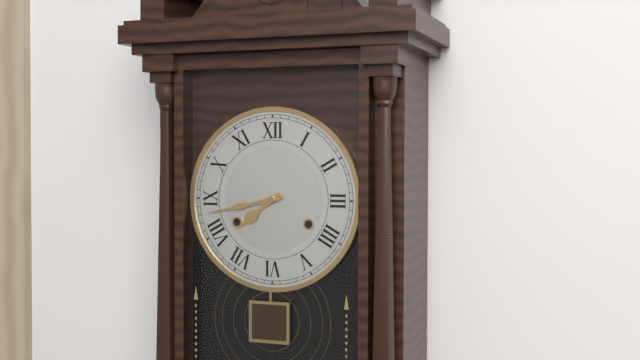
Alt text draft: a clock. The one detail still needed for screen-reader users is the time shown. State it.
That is 7:43
